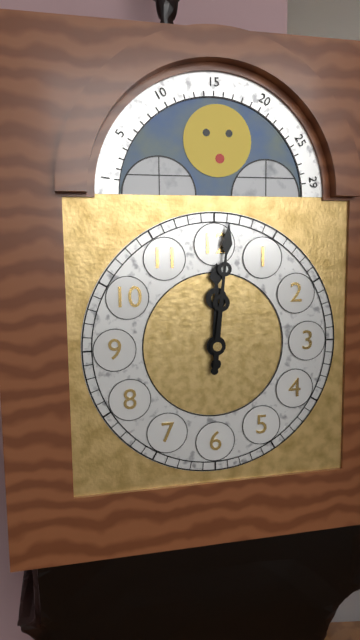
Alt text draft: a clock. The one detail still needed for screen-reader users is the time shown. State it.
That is 12:01
